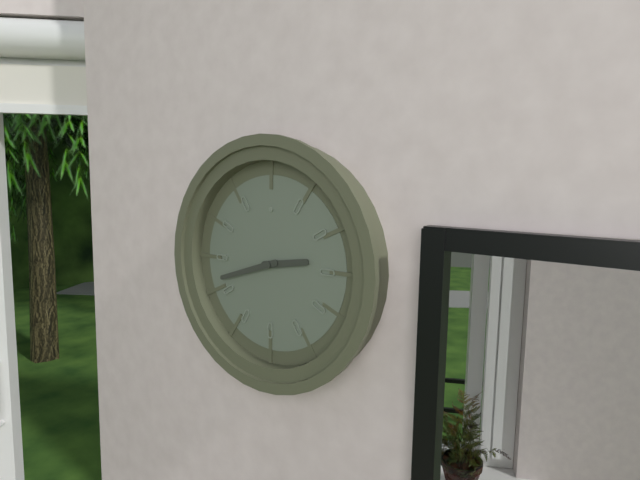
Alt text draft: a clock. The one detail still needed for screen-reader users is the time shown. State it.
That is 2:42
